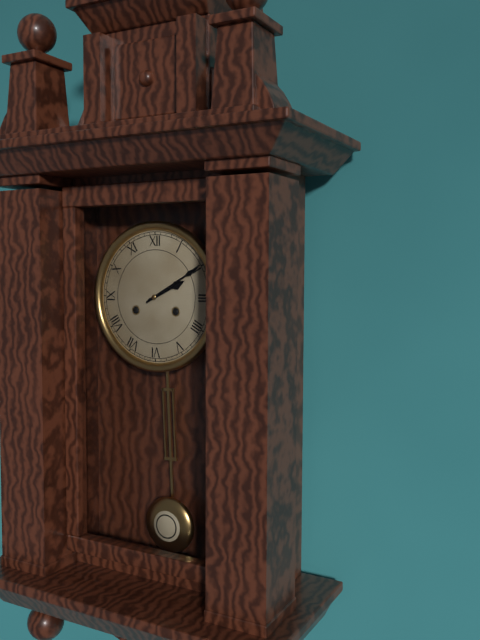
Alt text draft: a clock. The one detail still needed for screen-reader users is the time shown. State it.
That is 2:10
